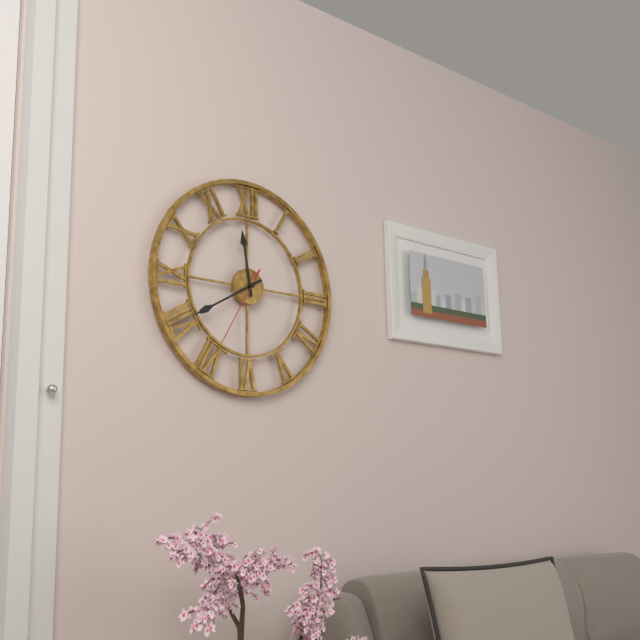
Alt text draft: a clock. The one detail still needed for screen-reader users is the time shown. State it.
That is 11:40:35
